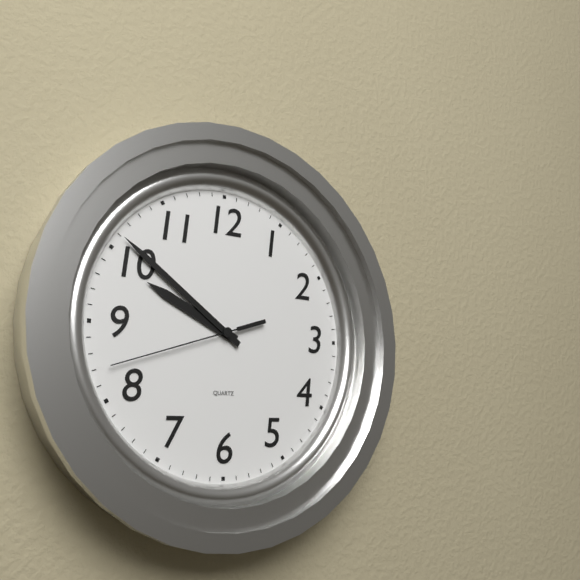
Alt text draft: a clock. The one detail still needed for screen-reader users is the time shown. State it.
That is 9:51:42
